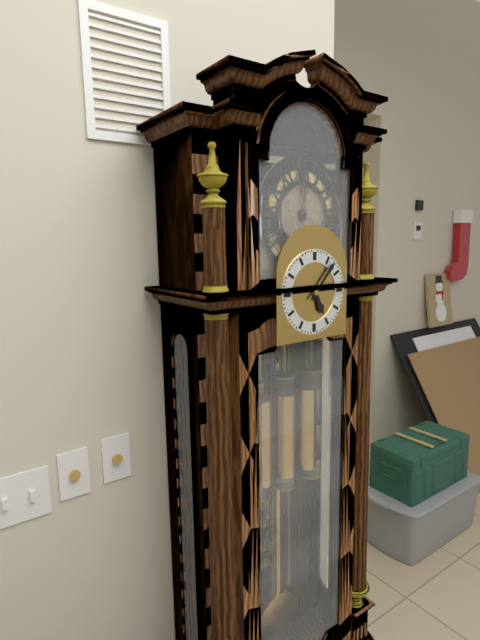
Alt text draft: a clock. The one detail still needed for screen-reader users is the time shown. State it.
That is 5:07
